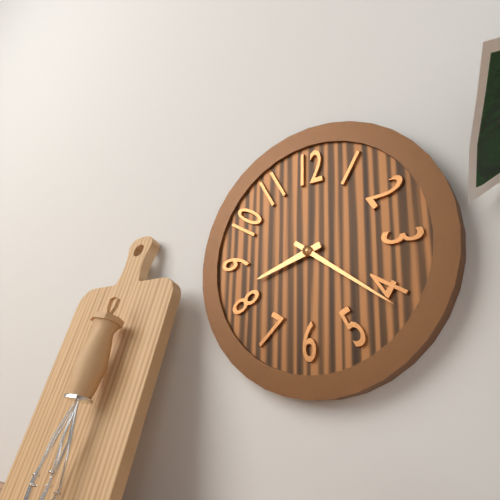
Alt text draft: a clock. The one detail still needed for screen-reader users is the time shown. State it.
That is 8:21
